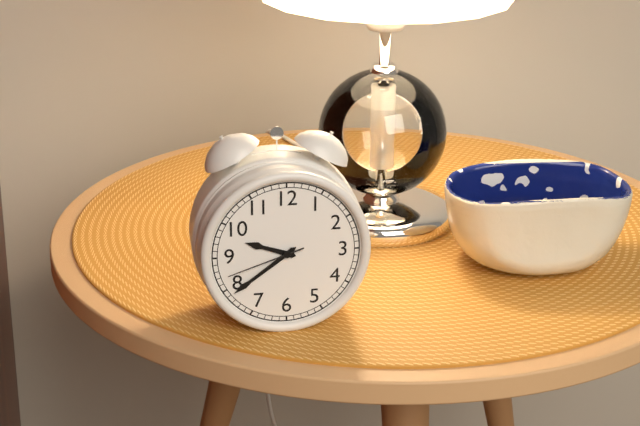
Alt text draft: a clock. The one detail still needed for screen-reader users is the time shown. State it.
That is 9:39:42
